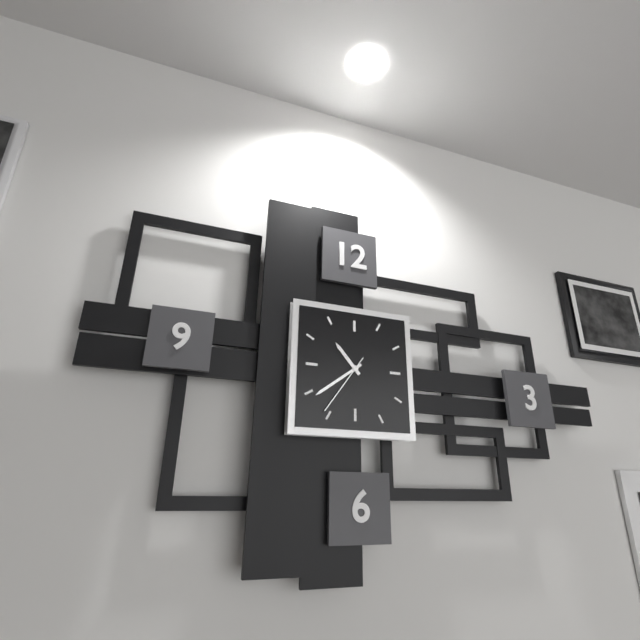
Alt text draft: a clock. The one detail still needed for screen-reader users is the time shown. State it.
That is 10:39:36
